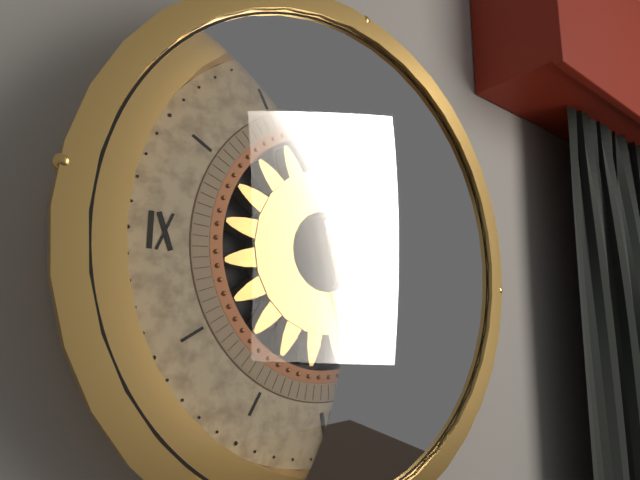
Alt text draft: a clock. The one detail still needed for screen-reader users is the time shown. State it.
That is 5:27
